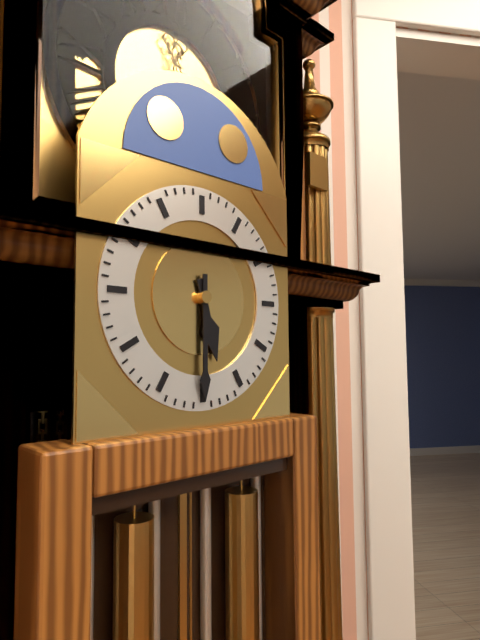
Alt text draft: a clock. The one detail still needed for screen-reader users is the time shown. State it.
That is 5:30
